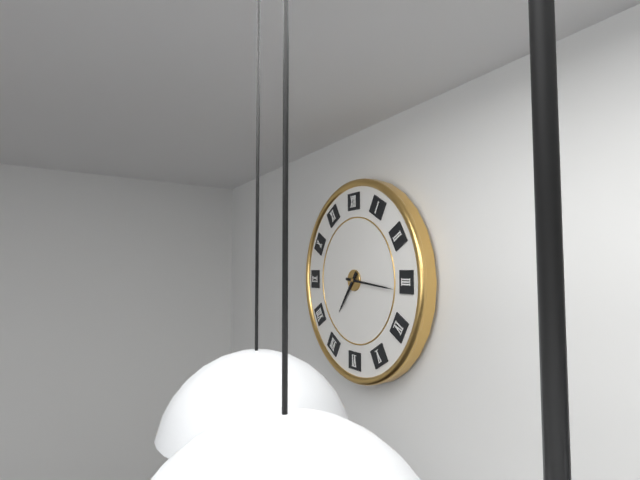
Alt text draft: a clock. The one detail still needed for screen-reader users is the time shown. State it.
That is 7:16
